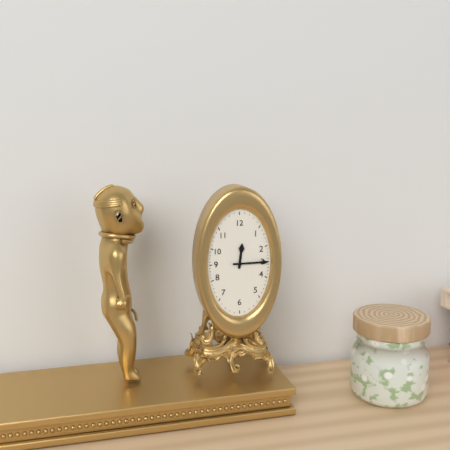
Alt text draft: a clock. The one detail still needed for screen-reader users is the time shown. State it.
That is 12:15
